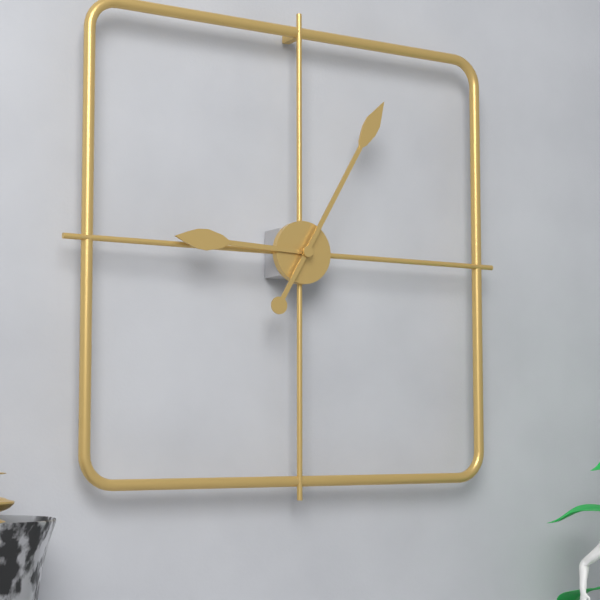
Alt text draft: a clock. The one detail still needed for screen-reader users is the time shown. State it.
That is 9:05
